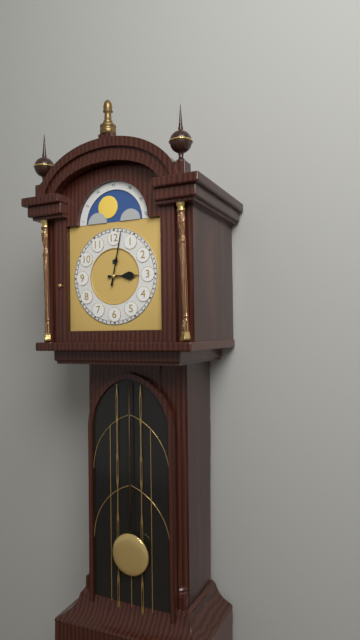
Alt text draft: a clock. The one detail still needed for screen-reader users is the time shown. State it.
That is 3:02
